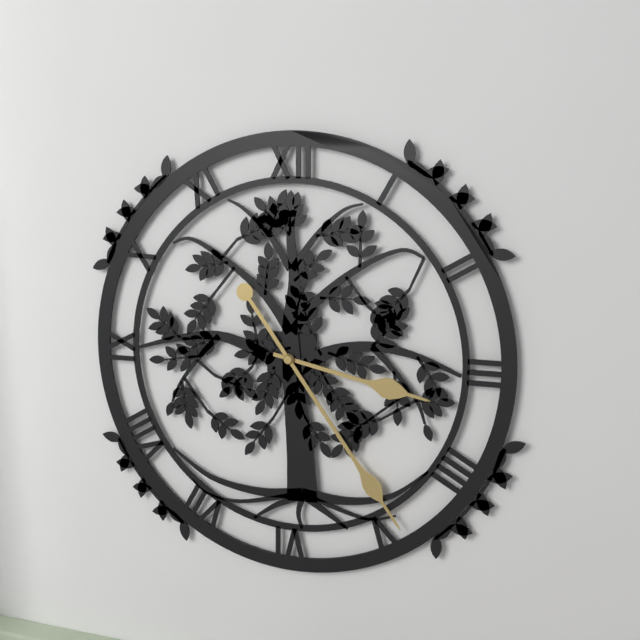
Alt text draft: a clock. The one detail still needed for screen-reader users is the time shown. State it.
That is 3:24
